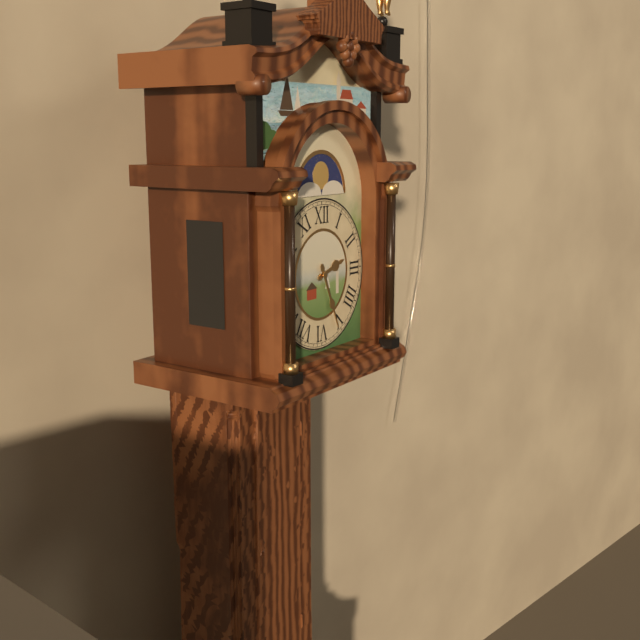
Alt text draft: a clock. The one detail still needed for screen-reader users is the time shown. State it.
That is 2:26
